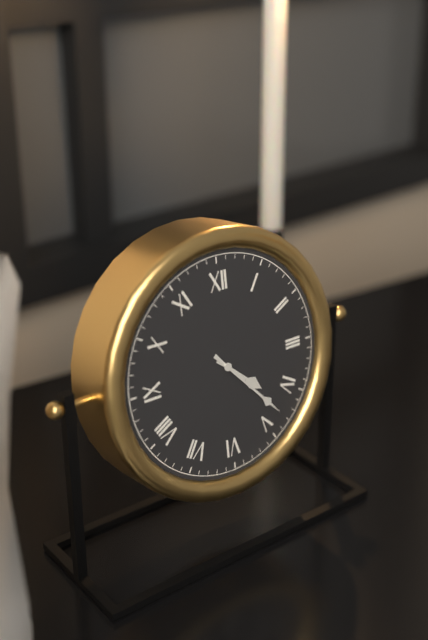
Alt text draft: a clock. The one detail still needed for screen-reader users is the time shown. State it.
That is 4:23
